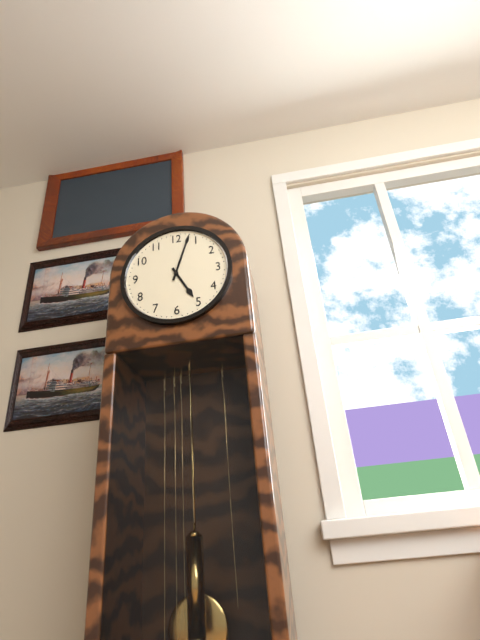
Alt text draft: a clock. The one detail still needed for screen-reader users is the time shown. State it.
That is 5:03
